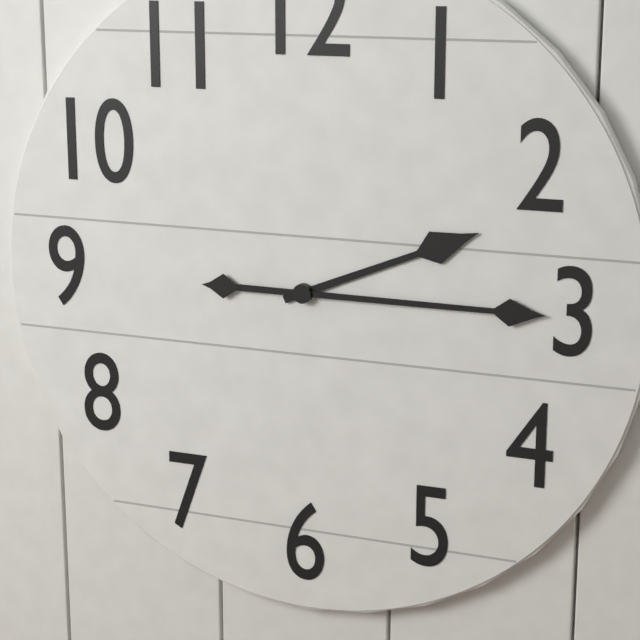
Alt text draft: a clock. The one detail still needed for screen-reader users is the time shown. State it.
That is 2:15
